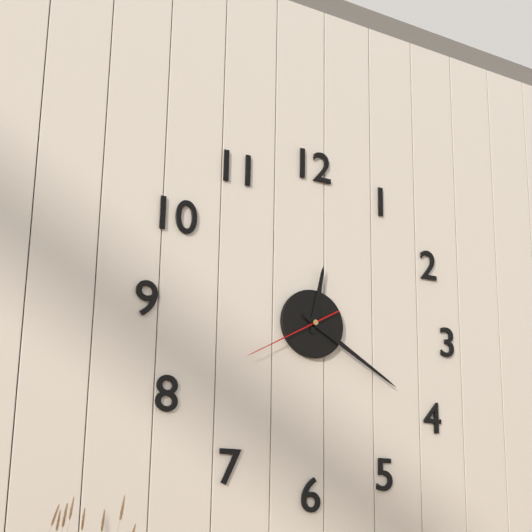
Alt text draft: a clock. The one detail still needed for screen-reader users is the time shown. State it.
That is 12:20:40
